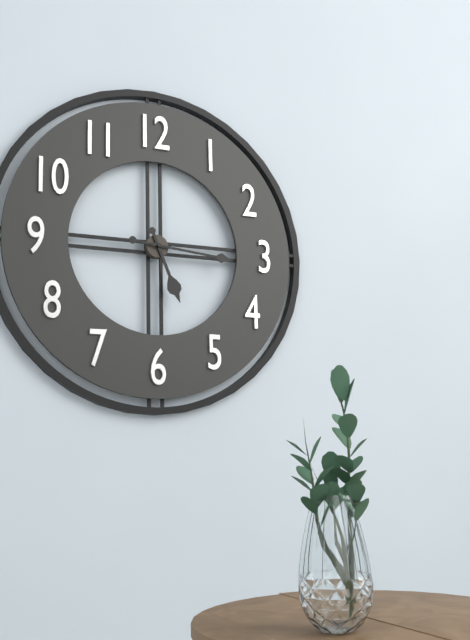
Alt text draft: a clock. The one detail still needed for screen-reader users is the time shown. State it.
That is 5:16
